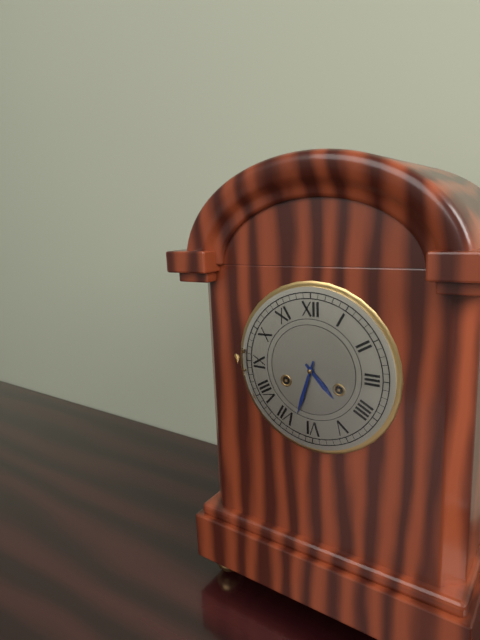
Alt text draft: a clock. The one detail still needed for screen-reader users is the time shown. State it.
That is 4:33
